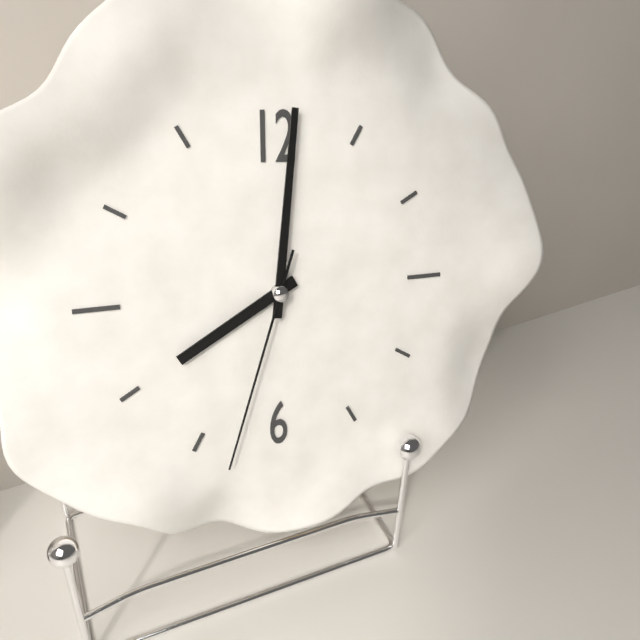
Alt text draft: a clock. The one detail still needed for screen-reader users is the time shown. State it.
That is 8:01:33
